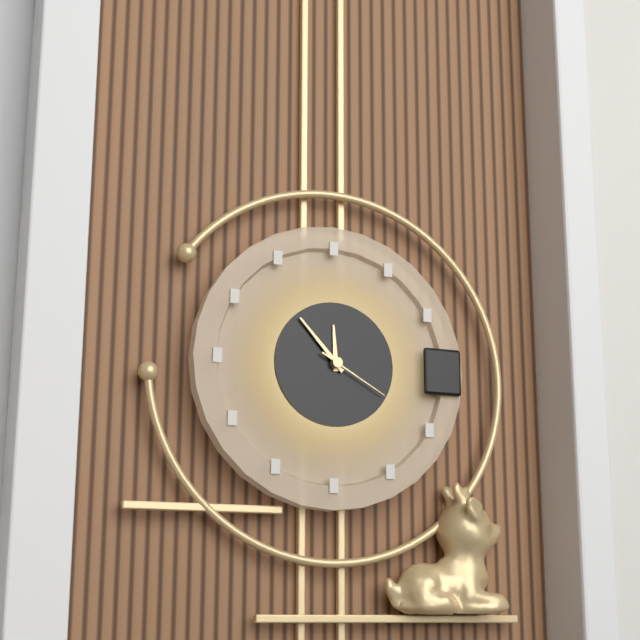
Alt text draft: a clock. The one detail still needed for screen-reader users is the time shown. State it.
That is 11:53:20
